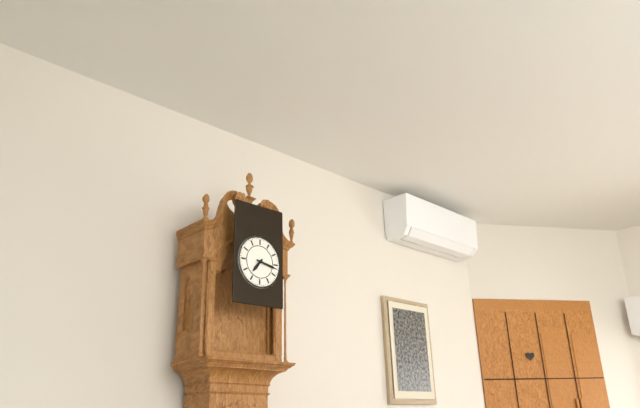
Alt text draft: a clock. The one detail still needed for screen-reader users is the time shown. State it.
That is 7:17
